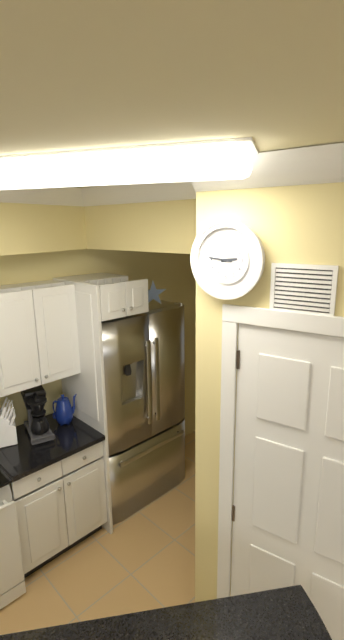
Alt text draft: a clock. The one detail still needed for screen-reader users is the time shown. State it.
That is 2:46
